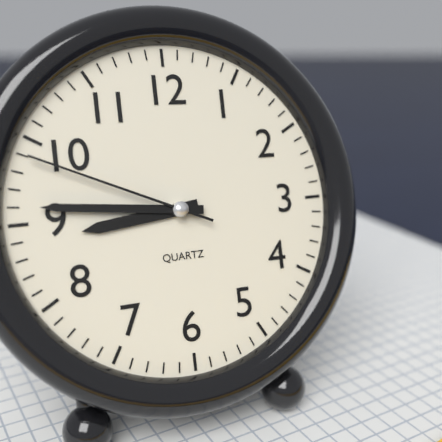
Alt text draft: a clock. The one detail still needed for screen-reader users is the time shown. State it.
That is 8:46:49
